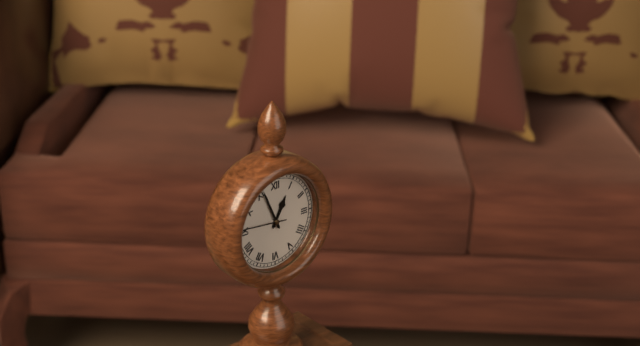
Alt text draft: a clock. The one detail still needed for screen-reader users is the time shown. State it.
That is 12:56
